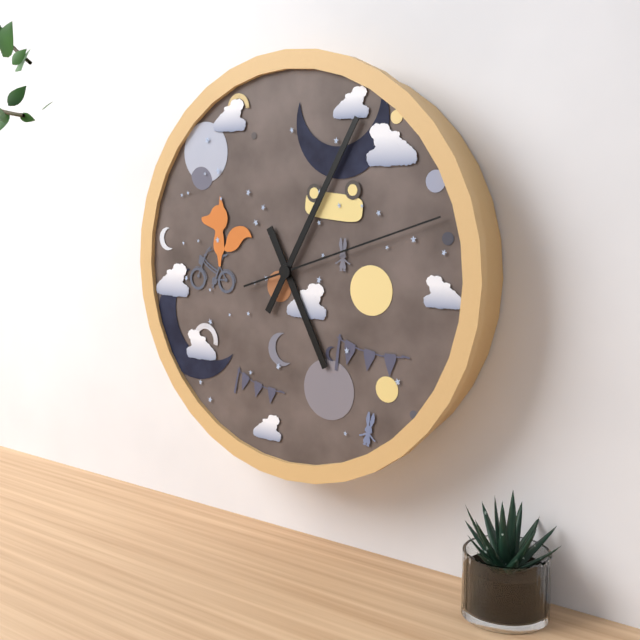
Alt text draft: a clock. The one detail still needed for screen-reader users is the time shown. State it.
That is 5:05:12
